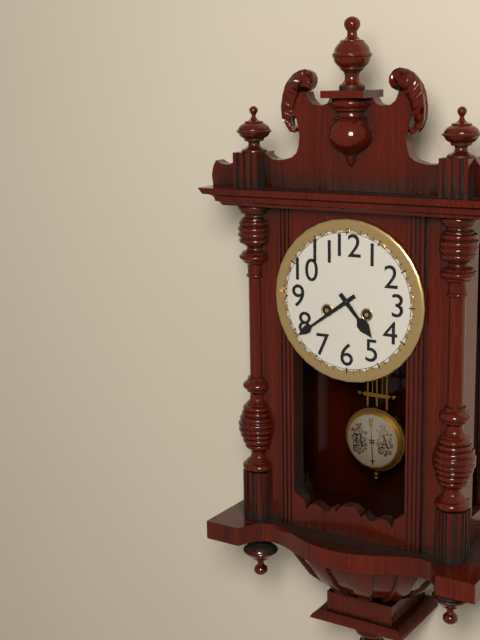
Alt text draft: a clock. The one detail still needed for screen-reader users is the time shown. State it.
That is 4:39
